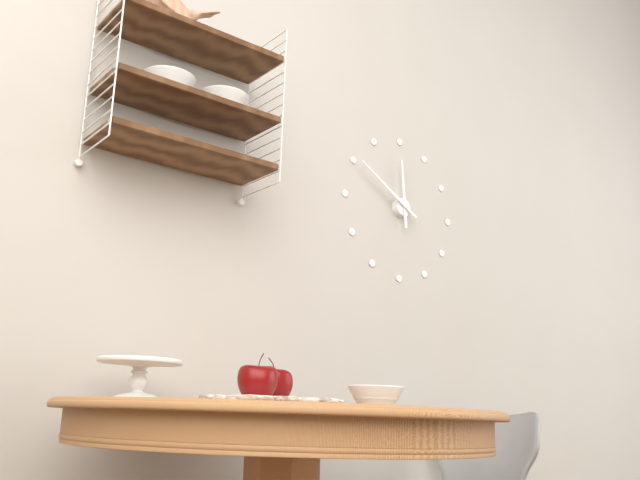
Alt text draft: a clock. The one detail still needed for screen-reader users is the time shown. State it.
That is 11:50
